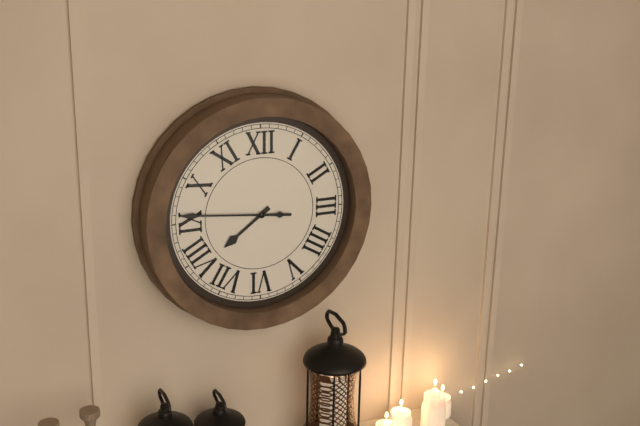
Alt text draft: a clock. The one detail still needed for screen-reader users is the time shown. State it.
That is 7:46
